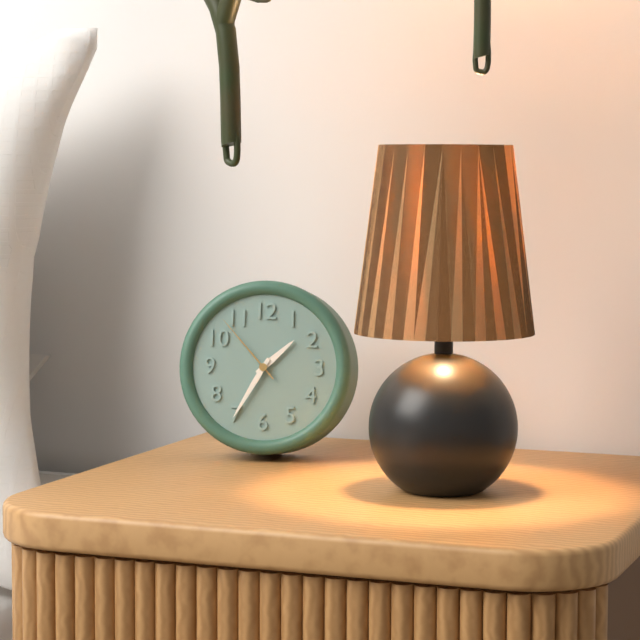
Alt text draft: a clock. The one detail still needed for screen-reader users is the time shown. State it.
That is 1:35:53
